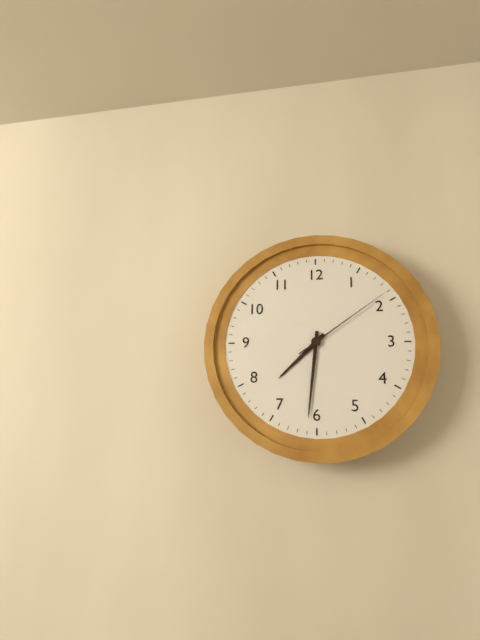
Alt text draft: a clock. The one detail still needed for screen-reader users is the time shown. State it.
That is 7:31:09
